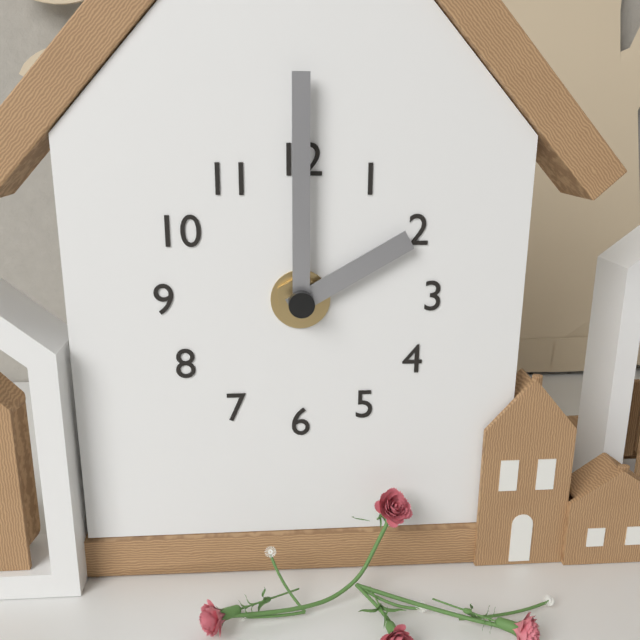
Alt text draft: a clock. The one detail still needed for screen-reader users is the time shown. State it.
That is 2:00
